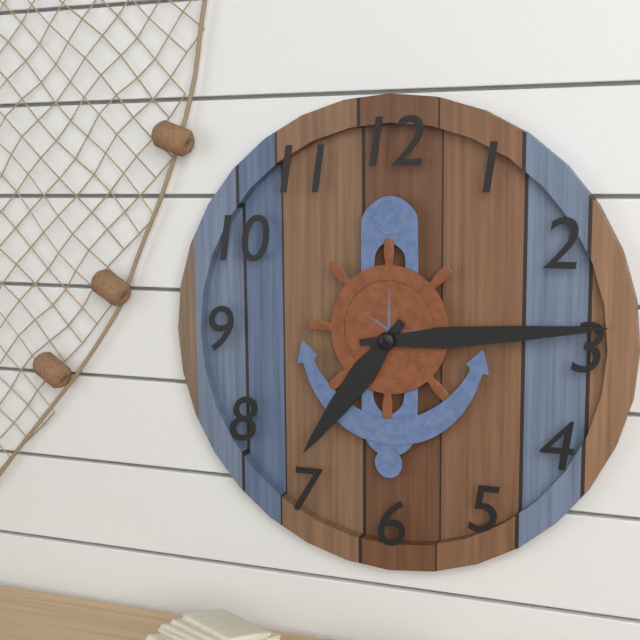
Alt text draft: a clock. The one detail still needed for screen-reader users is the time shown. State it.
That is 7:14
